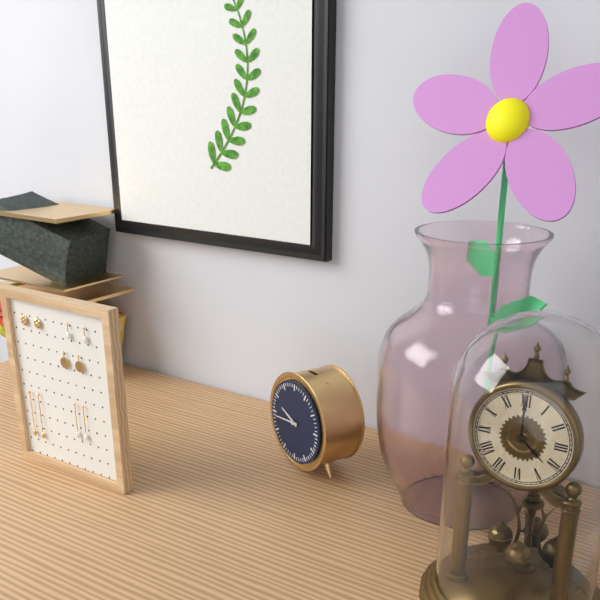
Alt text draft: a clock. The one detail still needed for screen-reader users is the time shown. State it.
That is 9:44
